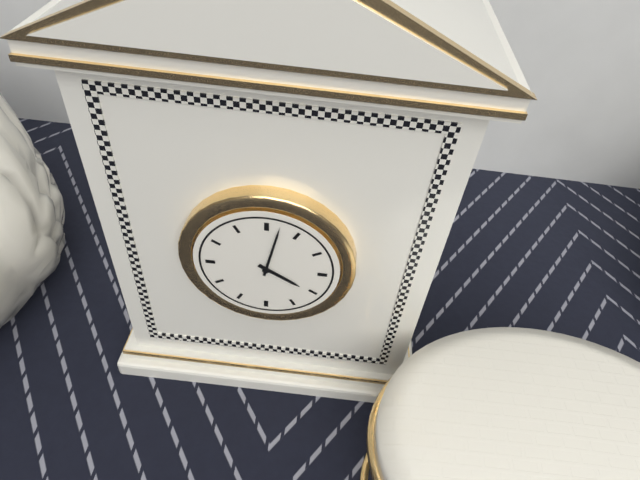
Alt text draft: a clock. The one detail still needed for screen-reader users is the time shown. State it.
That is 4:02
